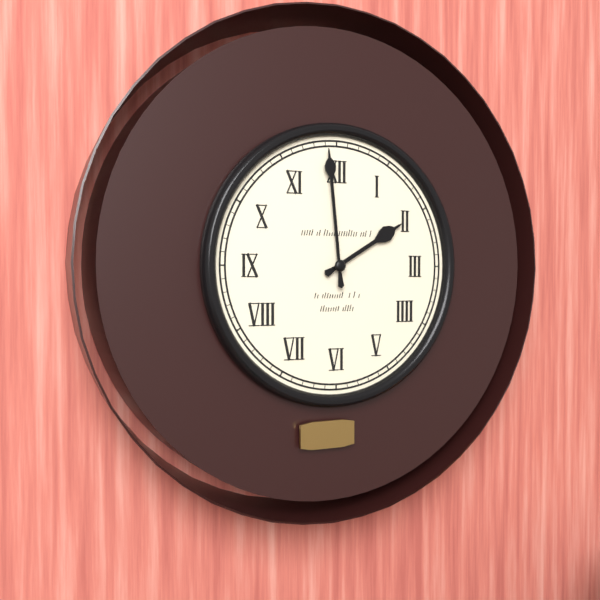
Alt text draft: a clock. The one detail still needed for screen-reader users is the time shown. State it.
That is 1:59
